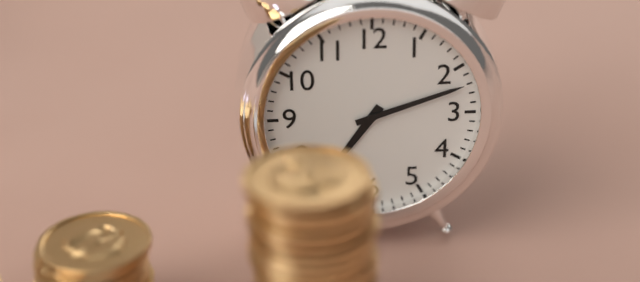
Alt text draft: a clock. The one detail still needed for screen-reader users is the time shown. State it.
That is 7:12
